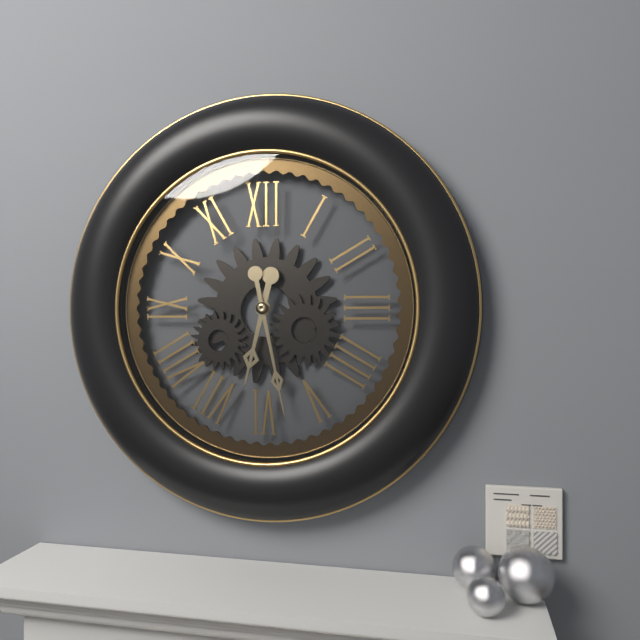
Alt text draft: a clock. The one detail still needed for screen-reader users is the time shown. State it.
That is 6:28
